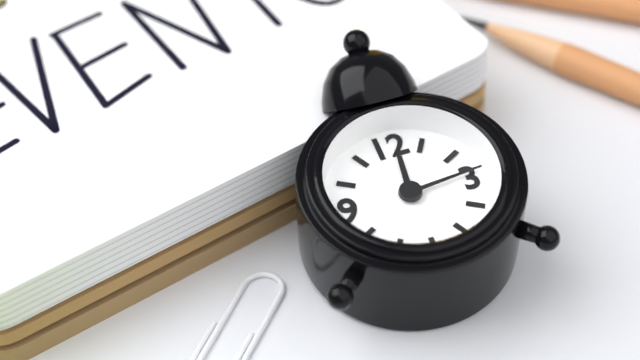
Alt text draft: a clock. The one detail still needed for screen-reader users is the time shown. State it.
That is 12:14
